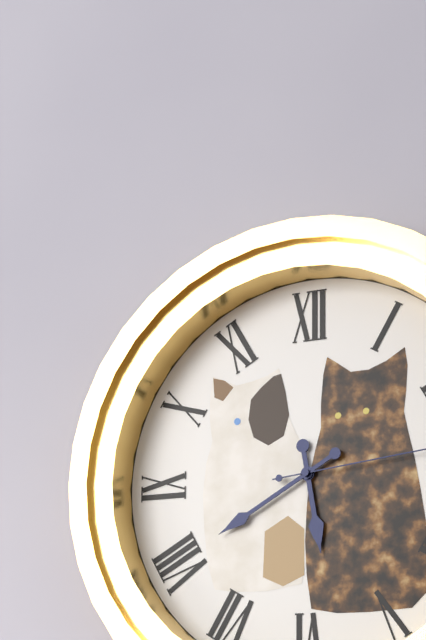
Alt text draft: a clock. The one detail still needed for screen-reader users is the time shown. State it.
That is 5:40
